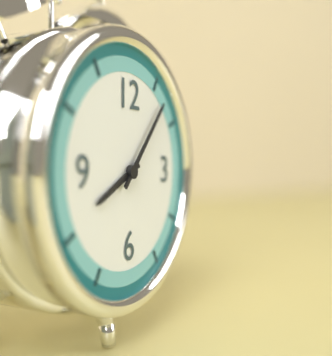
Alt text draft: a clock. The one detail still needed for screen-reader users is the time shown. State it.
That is 8:07
